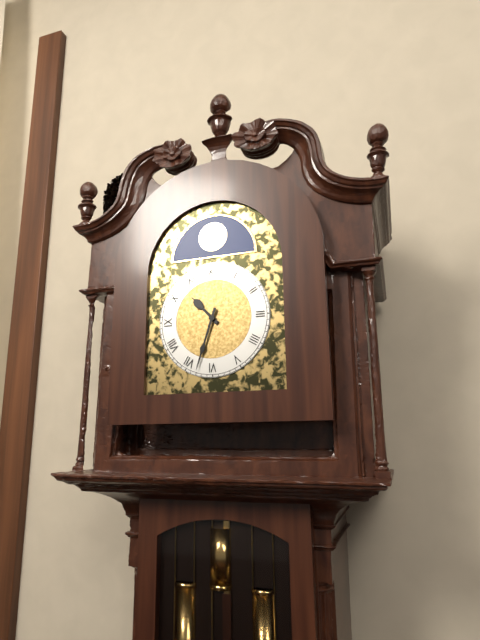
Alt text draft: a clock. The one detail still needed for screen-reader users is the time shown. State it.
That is 10:33
